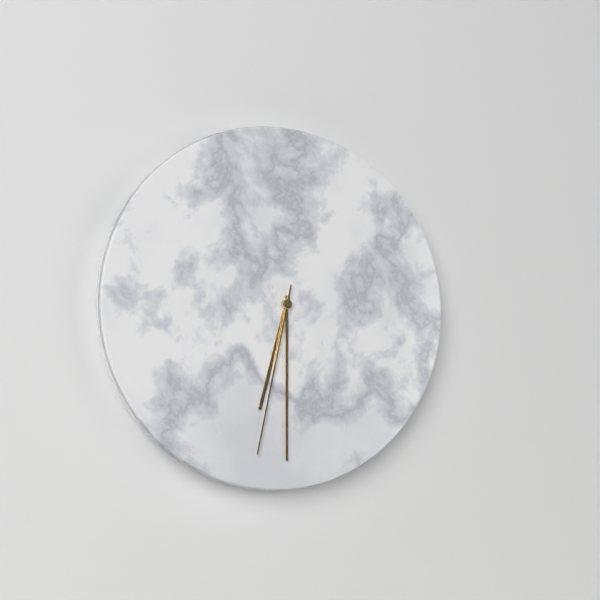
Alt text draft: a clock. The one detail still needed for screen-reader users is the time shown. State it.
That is 6:30:32
